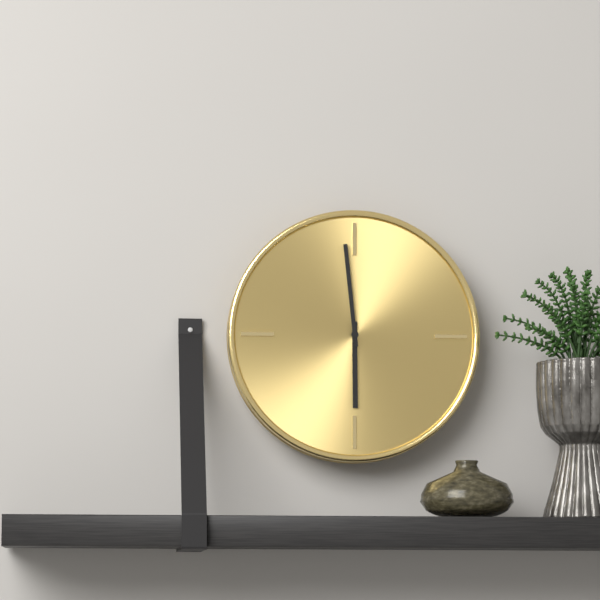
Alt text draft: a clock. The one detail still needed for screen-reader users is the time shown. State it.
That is 5:59
